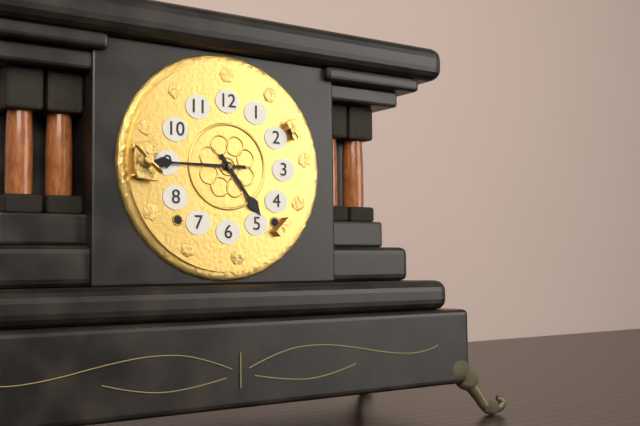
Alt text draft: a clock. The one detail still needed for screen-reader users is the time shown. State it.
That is 4:45
